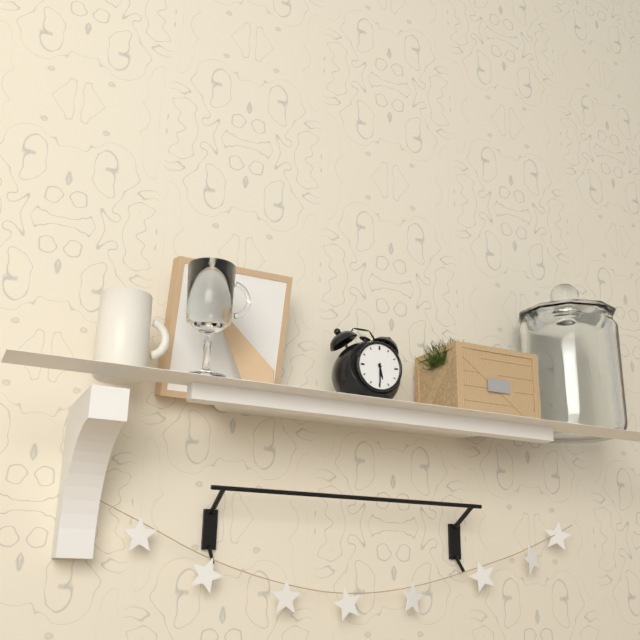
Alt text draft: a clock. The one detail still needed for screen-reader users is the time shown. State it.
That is 5:30
